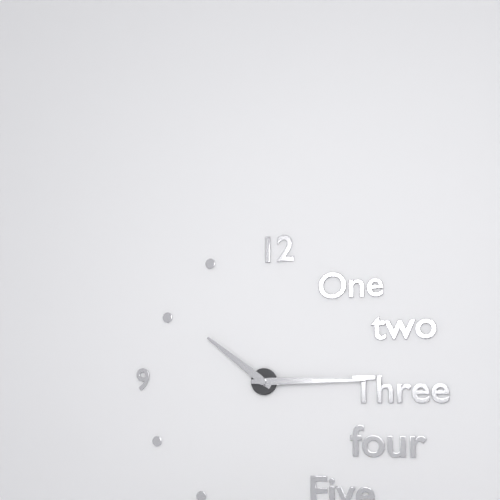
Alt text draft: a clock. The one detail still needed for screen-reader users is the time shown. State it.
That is 10:15
